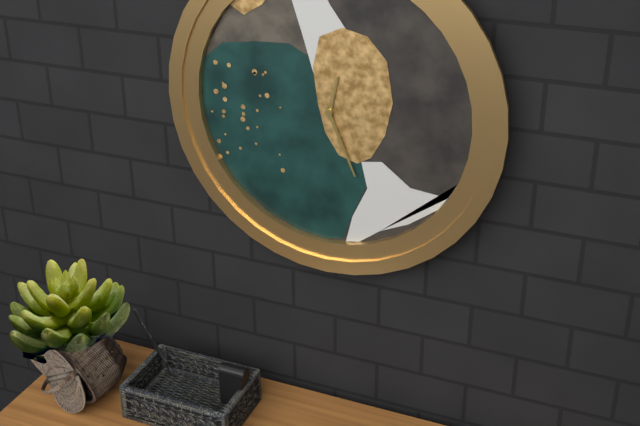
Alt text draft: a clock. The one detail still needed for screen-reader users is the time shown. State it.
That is 12:26
